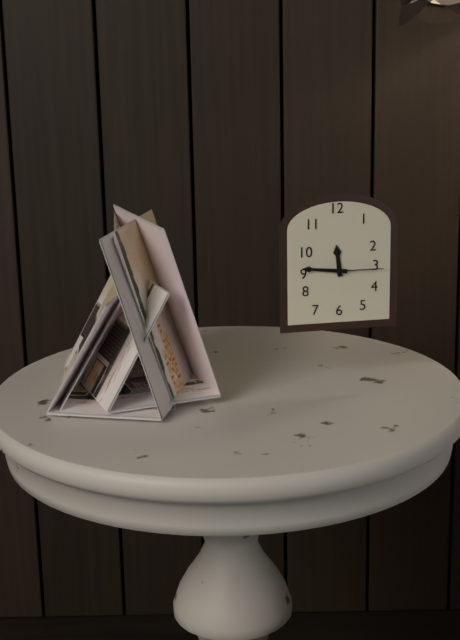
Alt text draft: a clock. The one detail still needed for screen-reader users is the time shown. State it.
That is 11:46:15
